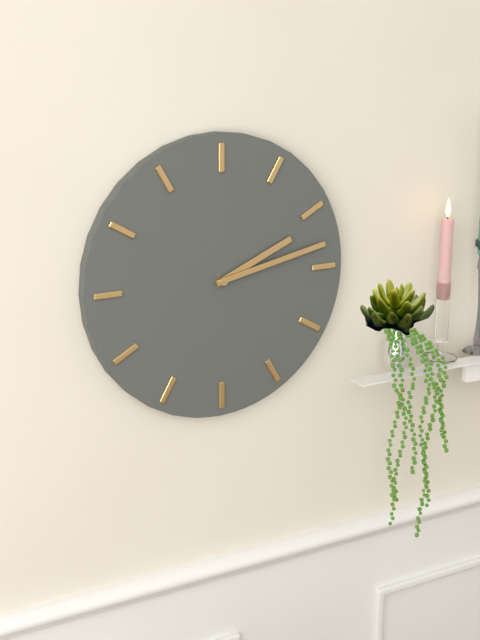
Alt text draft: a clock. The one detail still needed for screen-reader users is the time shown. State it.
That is 2:13
